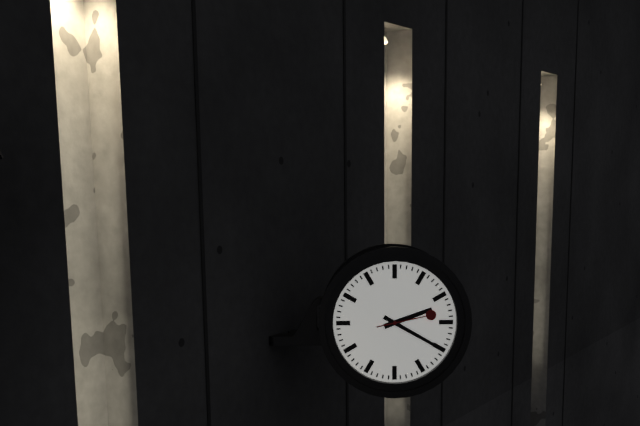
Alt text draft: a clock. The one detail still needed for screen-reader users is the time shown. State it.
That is 2:20:13
